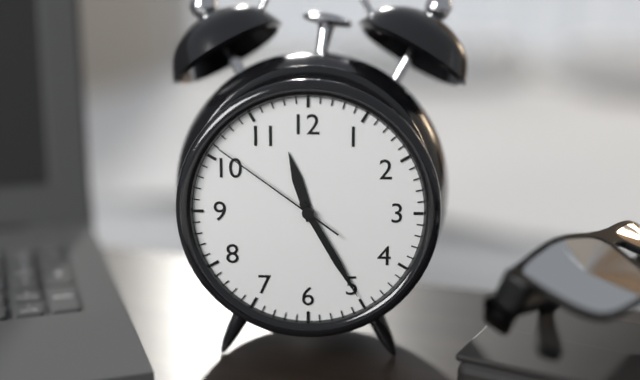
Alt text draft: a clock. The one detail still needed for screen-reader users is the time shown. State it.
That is 11:25:51
